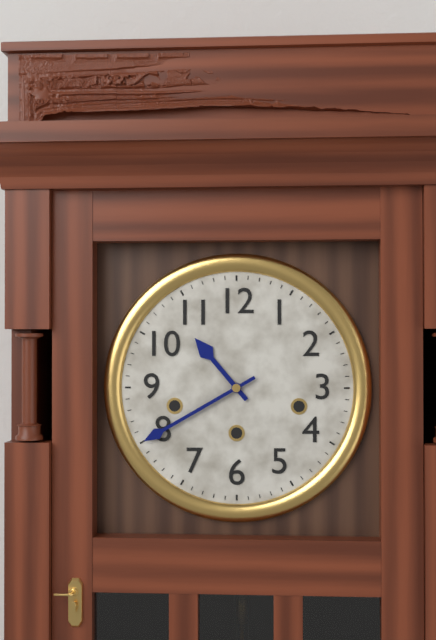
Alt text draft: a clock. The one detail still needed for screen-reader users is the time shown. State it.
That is 10:40
